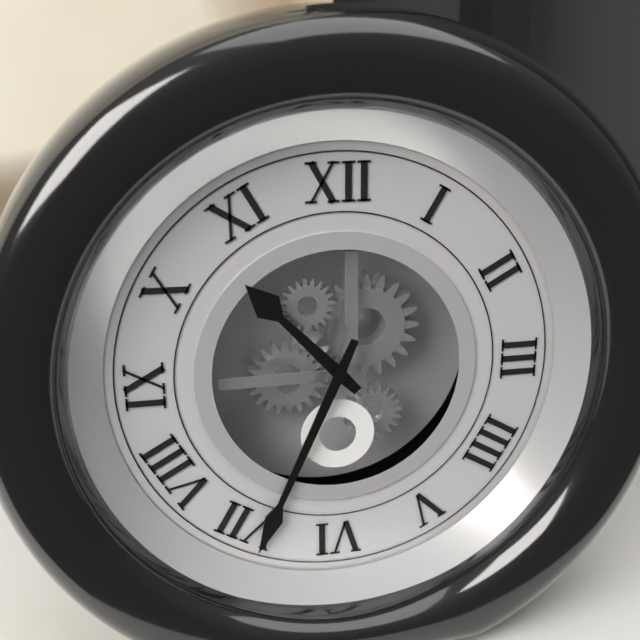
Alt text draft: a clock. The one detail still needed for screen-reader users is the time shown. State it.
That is 10:34
